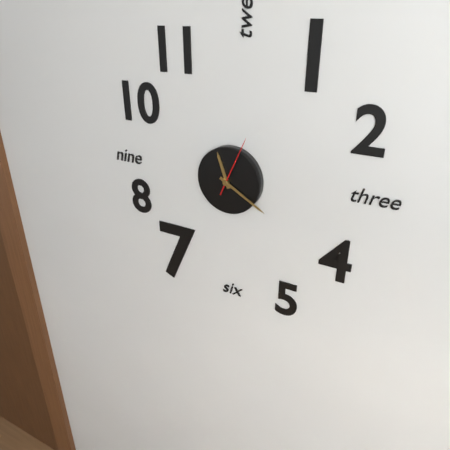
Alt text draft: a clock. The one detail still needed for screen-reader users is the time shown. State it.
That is 11:20:04
